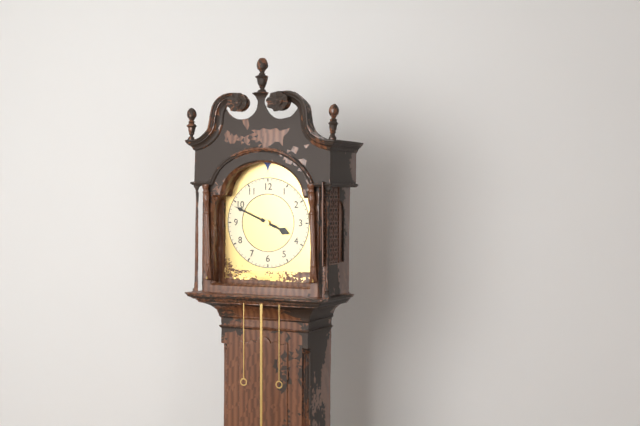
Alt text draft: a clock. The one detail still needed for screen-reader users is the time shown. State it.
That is 3:49
